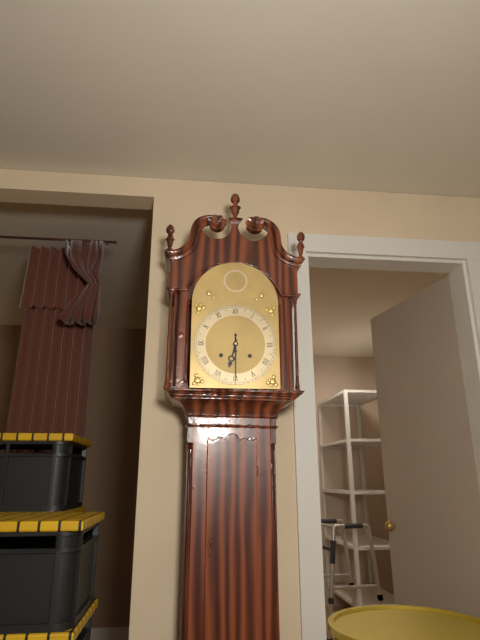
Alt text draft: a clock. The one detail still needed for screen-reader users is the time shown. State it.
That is 6:30
